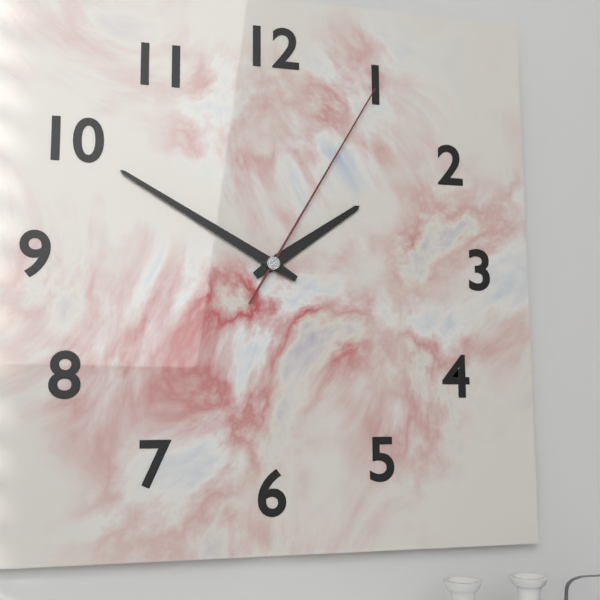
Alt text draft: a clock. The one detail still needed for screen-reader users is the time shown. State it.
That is 1:50:05
